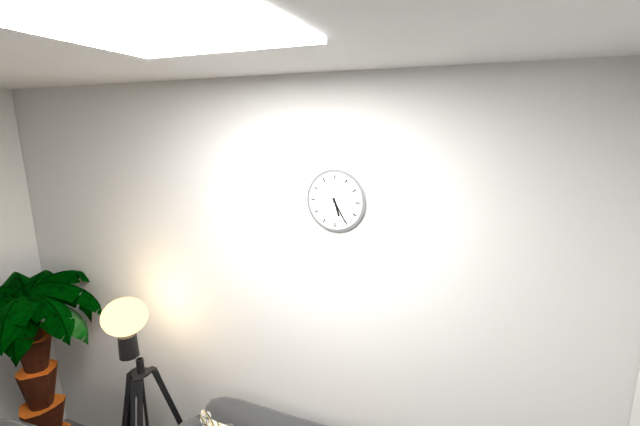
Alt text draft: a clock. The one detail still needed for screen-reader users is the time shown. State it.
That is 5:25
